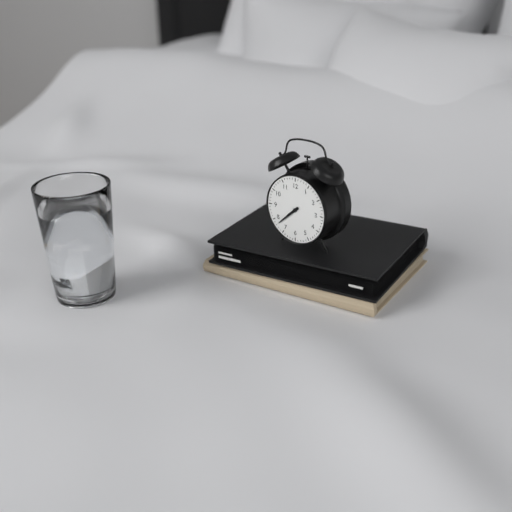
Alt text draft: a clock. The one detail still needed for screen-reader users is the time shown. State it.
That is 7:38
